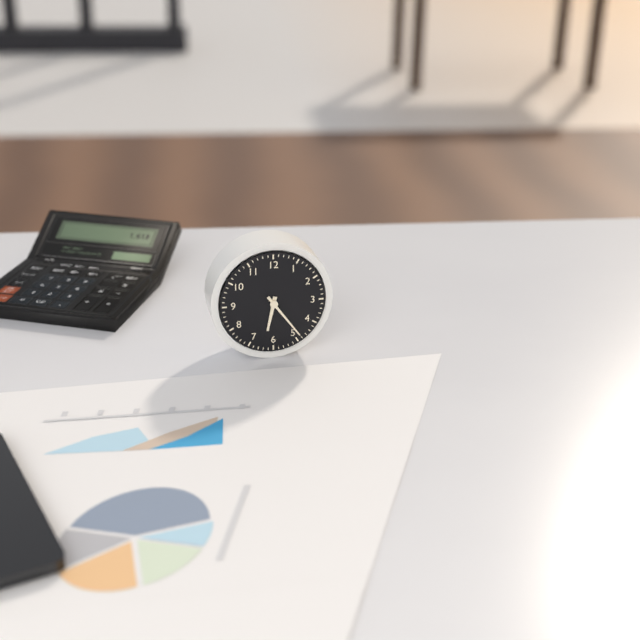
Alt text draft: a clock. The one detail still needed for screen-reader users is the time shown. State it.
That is 6:24
